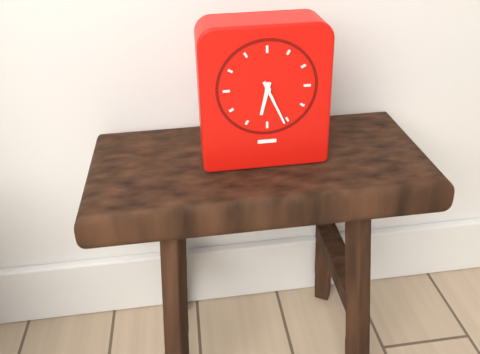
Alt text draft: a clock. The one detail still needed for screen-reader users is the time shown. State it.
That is 6:26
